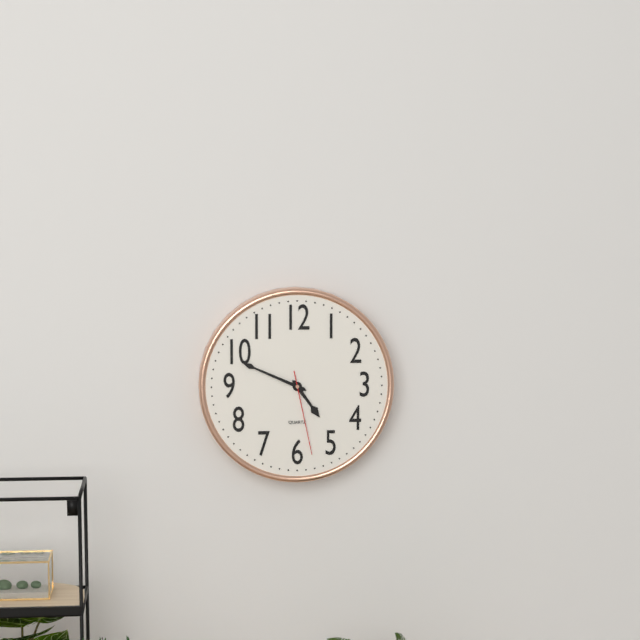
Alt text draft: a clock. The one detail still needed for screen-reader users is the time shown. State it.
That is 4:49:28
